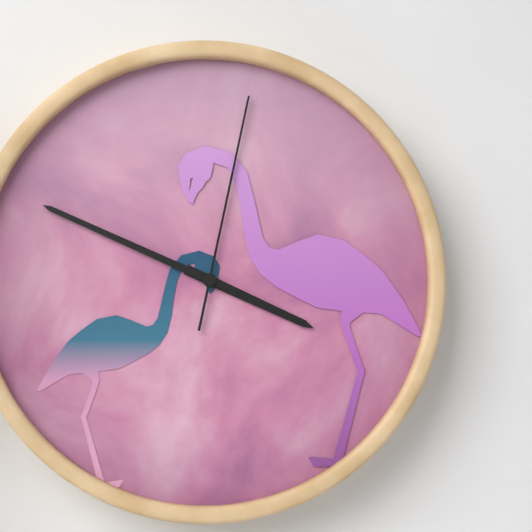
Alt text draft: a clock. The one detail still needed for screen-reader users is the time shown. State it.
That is 3:49:02
